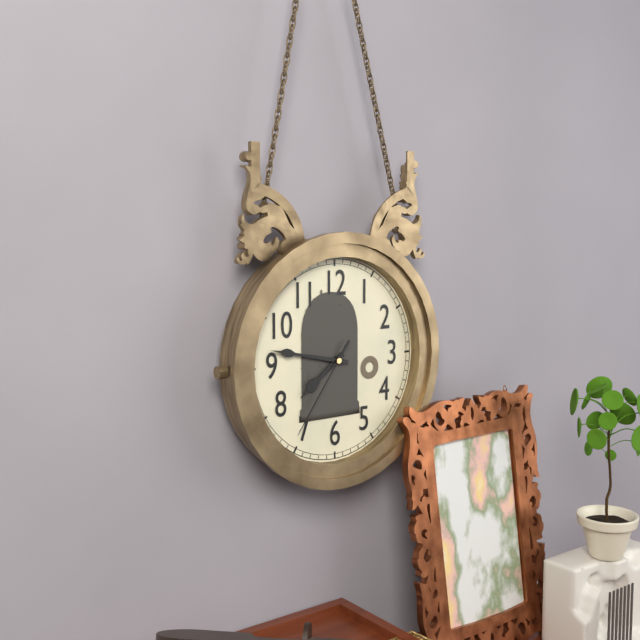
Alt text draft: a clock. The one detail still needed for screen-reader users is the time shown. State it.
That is 7:47:36
